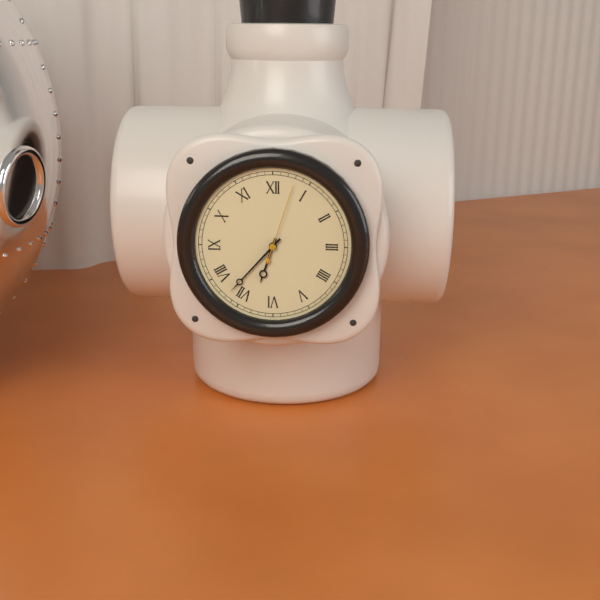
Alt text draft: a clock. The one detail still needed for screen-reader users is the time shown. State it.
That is 6:37:03
